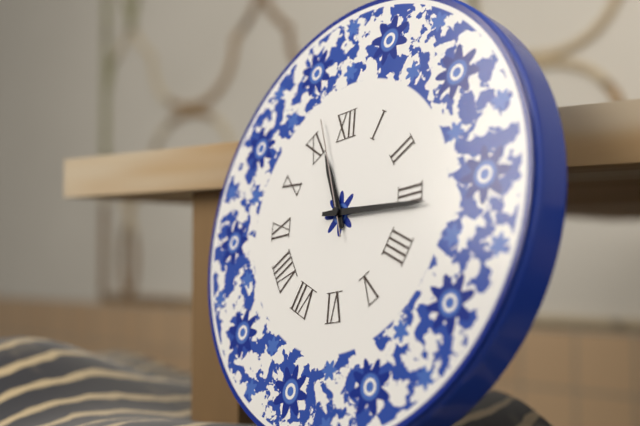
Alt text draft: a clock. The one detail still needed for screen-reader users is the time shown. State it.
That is 11:16:57
